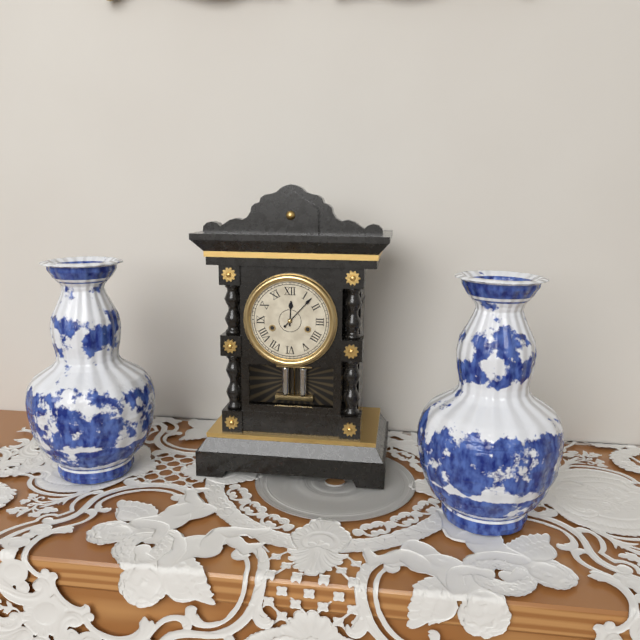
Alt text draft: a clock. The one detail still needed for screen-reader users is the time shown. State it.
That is 12:07
